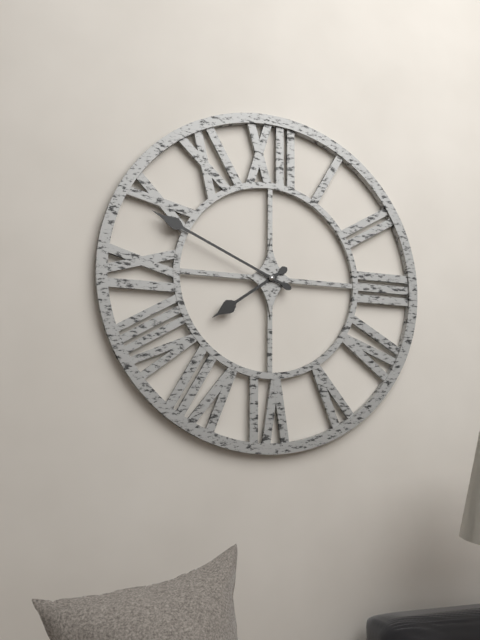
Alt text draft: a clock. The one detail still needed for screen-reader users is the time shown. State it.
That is 7:49
